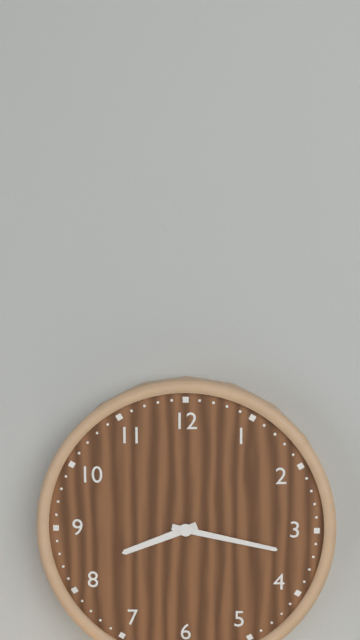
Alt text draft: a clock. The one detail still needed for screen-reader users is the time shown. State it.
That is 8:17
